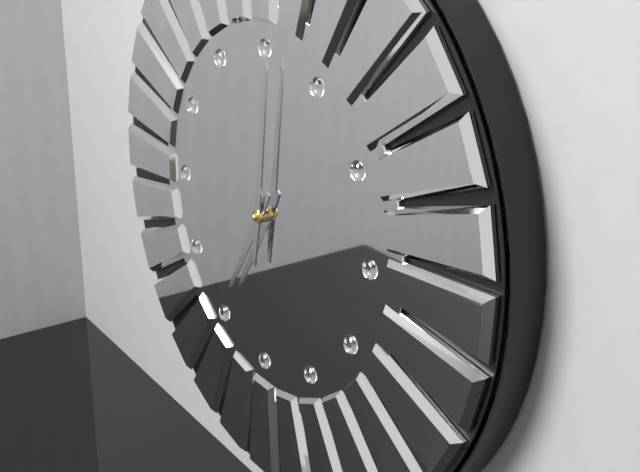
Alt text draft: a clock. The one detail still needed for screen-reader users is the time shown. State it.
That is 7:01
